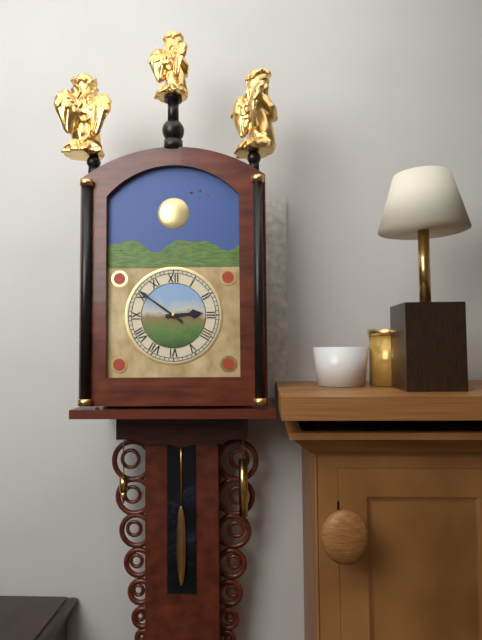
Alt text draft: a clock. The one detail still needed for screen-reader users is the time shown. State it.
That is 2:51
